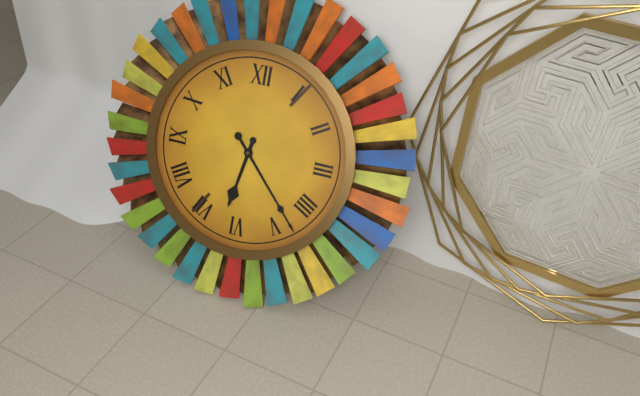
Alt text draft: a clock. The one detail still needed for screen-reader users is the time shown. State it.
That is 6:23
